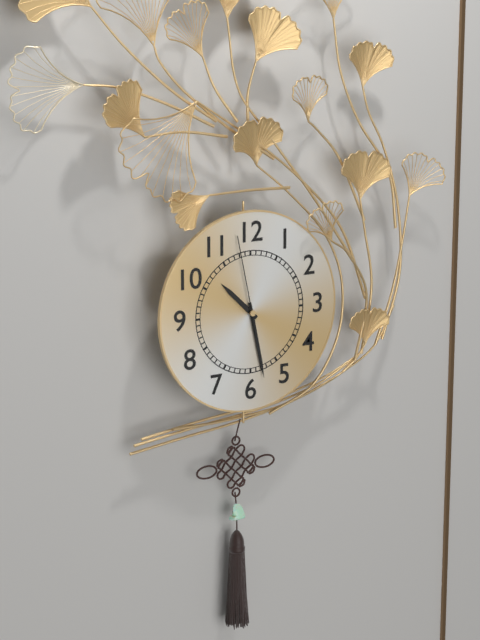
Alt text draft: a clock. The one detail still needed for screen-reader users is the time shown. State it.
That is 10:28:58
